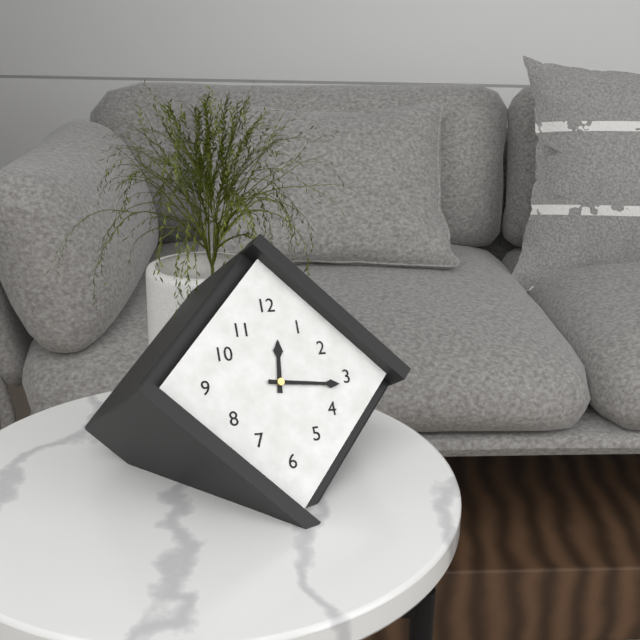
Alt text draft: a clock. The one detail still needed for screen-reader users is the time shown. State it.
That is 12:16
